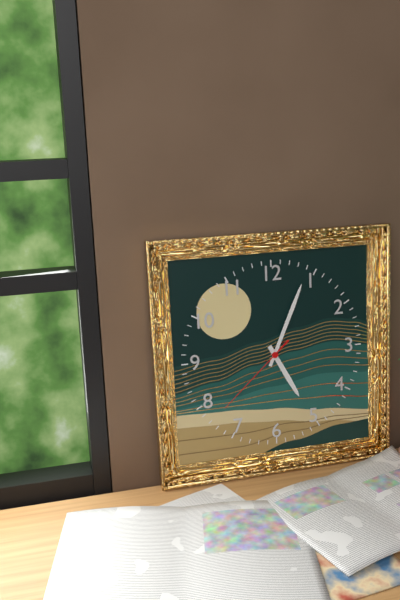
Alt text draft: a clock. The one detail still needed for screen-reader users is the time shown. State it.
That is 5:04:38
